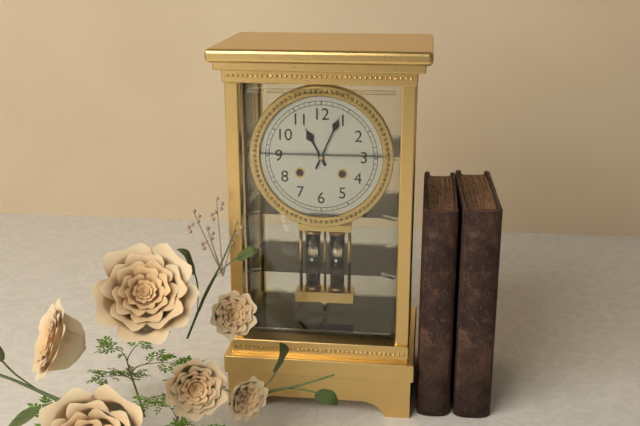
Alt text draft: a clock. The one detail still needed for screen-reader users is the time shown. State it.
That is 11:04
